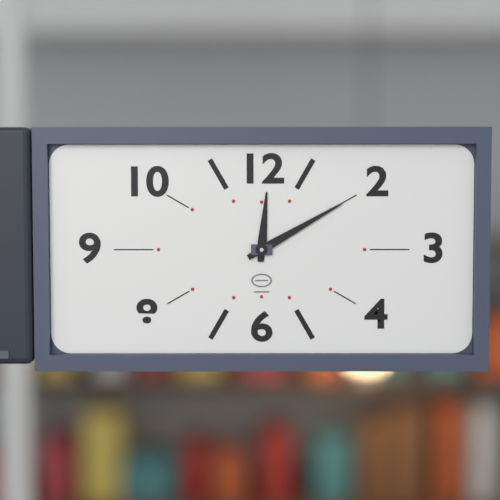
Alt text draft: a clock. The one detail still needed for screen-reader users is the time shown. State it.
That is 12:10
